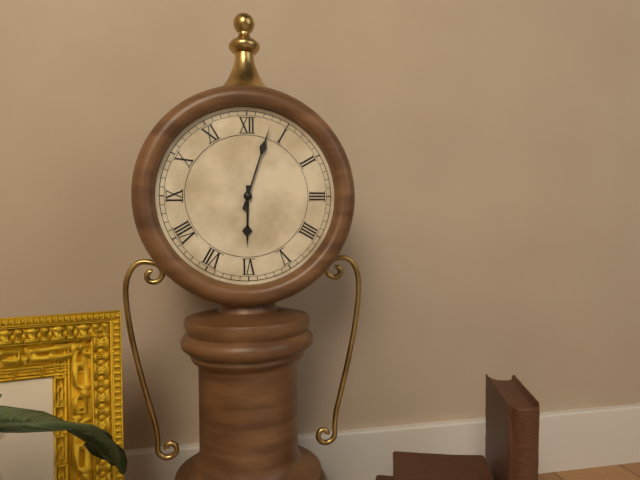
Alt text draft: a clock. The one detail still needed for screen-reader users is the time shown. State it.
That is 6:03
